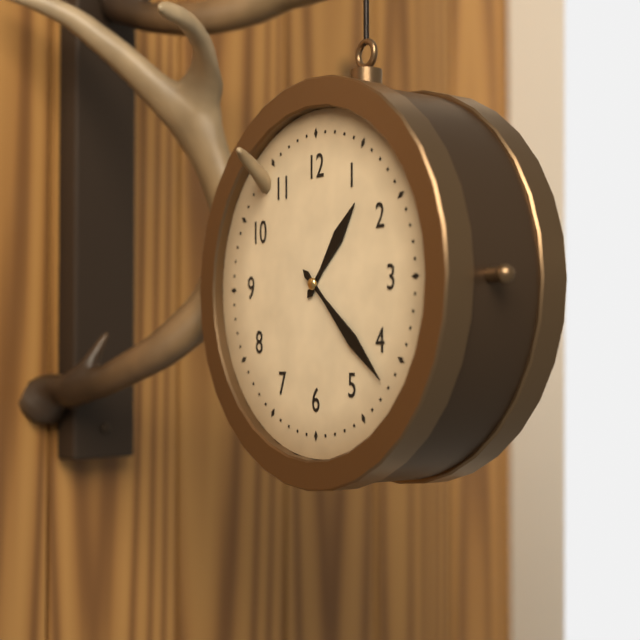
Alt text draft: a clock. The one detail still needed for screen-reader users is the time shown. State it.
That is 1:22
